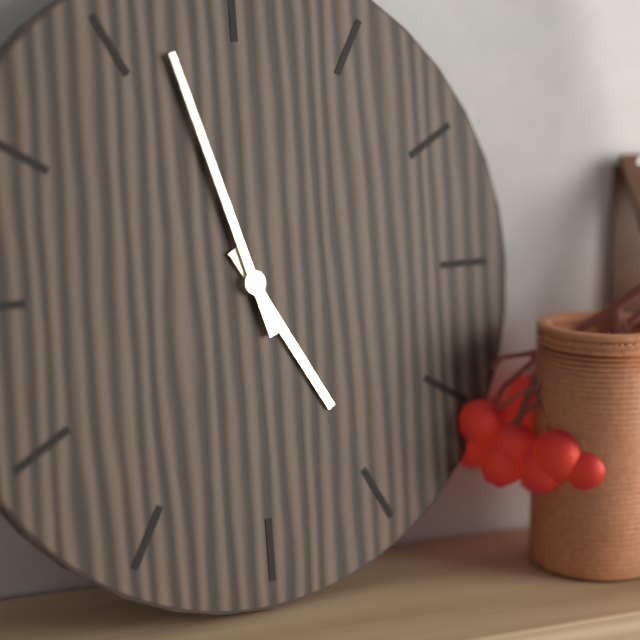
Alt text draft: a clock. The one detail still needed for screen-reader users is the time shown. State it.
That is 4:57
